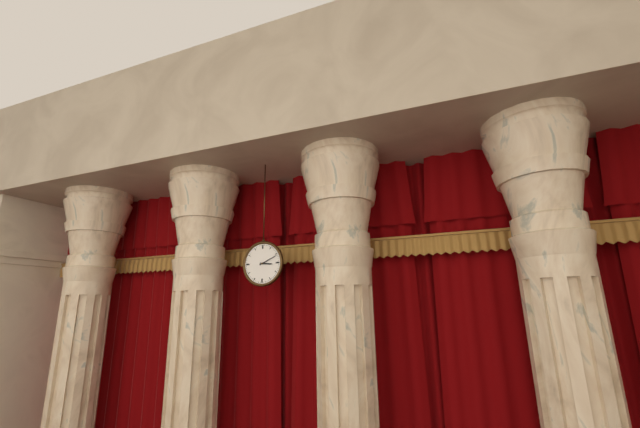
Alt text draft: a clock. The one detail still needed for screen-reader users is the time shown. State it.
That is 3:11
